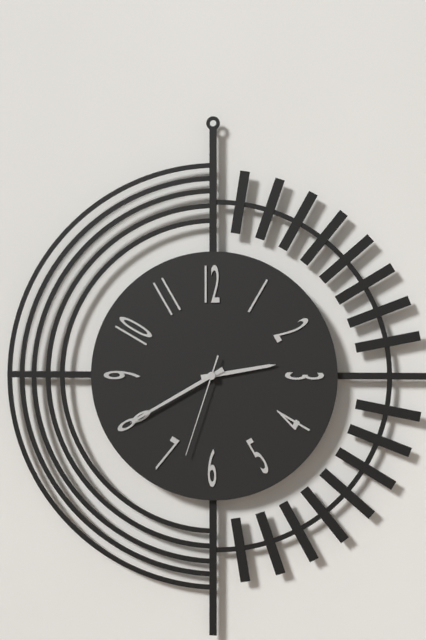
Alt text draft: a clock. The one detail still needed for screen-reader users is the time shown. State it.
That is 2:40:33
